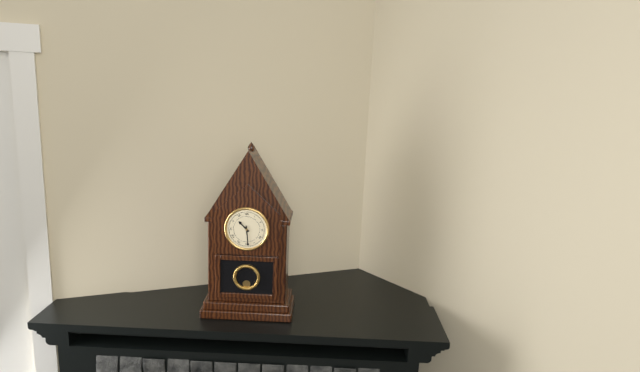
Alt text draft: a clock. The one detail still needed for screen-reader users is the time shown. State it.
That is 10:29
